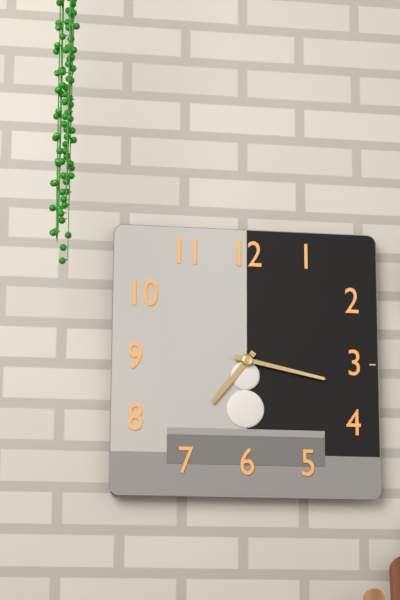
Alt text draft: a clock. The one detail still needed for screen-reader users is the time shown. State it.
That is 7:17
